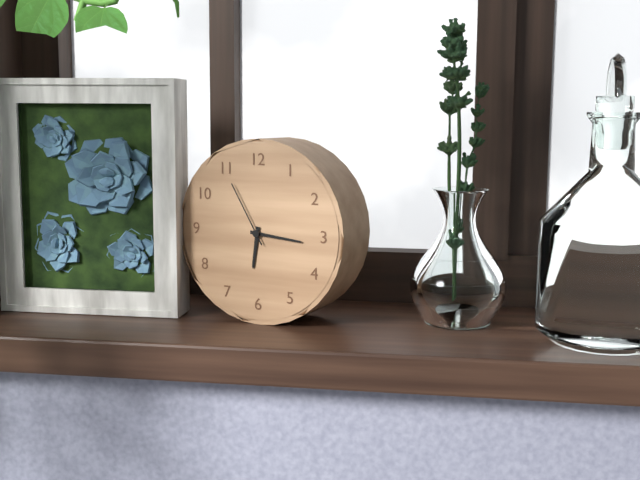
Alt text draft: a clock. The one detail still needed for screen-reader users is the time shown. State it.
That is 6:16:55
